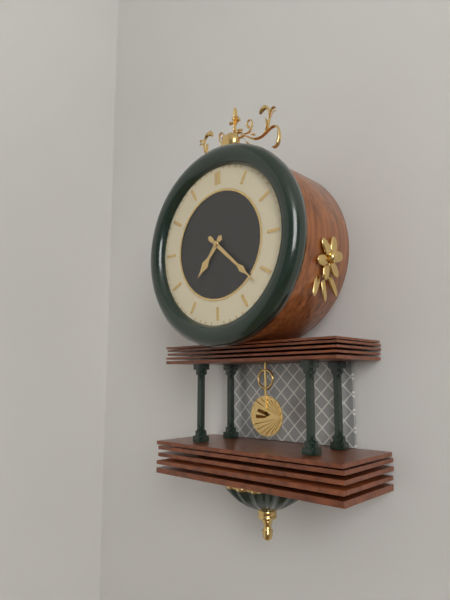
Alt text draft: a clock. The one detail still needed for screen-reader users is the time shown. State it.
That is 7:22
